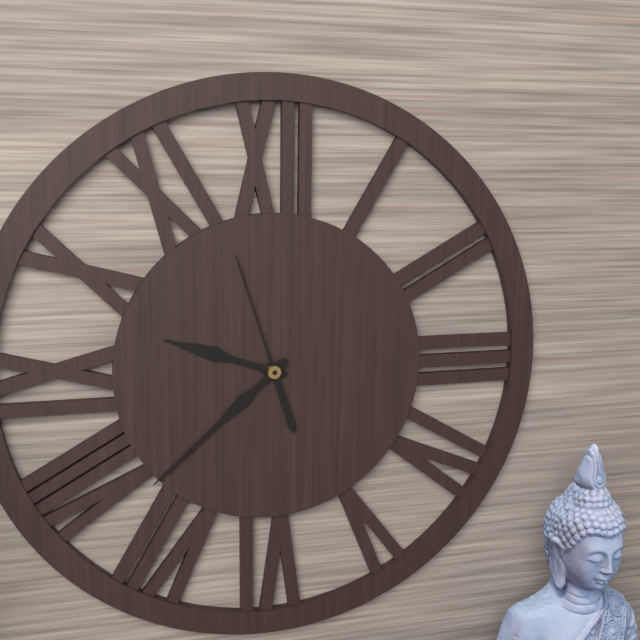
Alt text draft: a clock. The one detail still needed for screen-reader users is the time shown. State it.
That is 9:38:57
